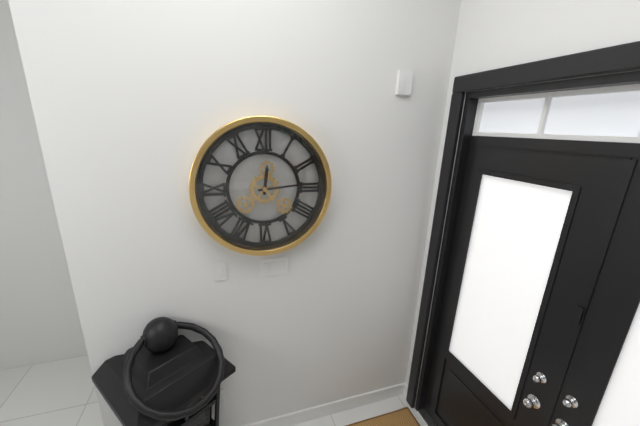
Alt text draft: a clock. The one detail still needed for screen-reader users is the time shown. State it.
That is 12:14
